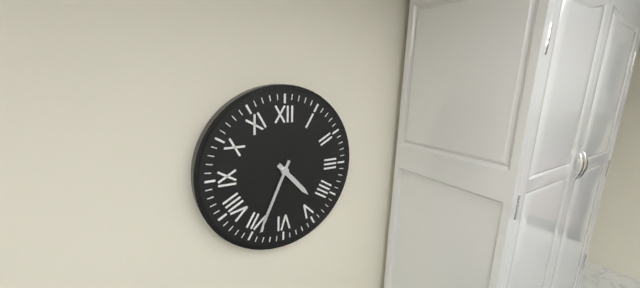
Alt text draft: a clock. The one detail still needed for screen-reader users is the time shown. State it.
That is 4:34
